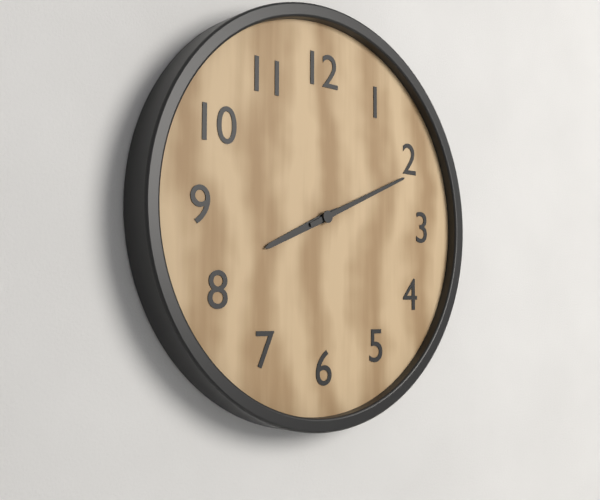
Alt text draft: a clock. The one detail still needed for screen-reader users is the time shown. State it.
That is 8:11
